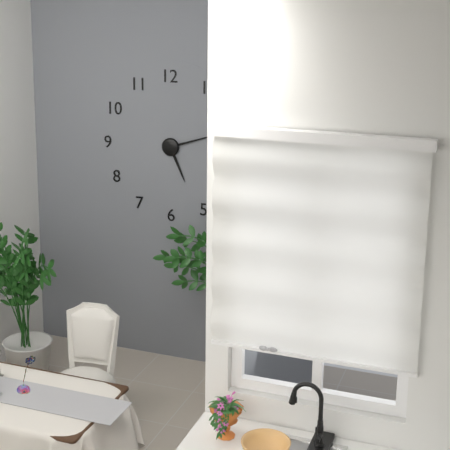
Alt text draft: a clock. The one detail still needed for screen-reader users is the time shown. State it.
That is 5:12
